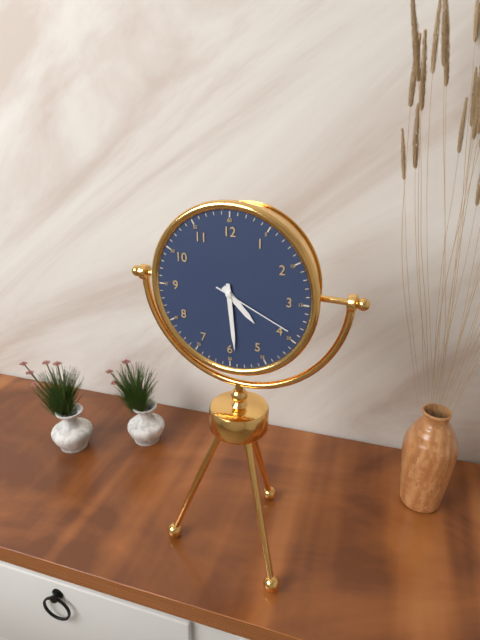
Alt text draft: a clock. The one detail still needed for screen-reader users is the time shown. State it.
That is 4:29:19
